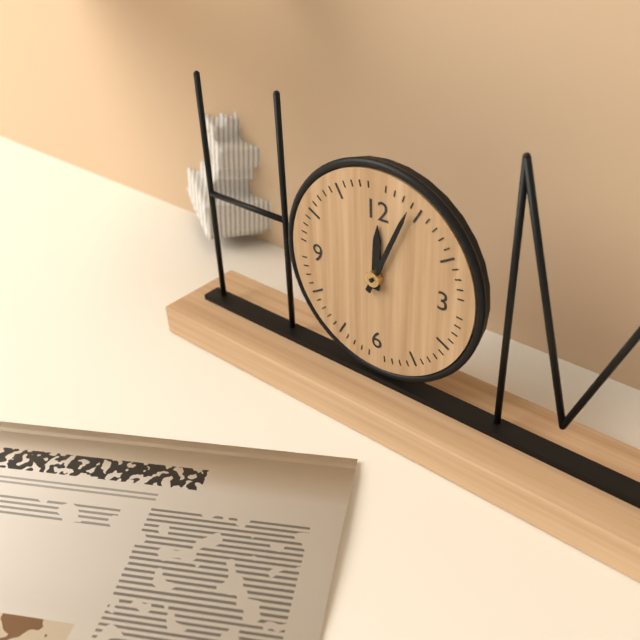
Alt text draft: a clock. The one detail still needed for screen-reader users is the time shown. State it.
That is 12:04
